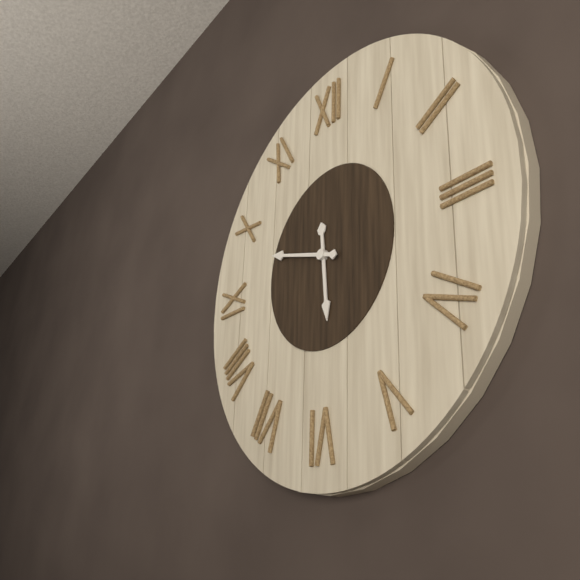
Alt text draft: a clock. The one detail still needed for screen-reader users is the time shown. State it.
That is 5:48
